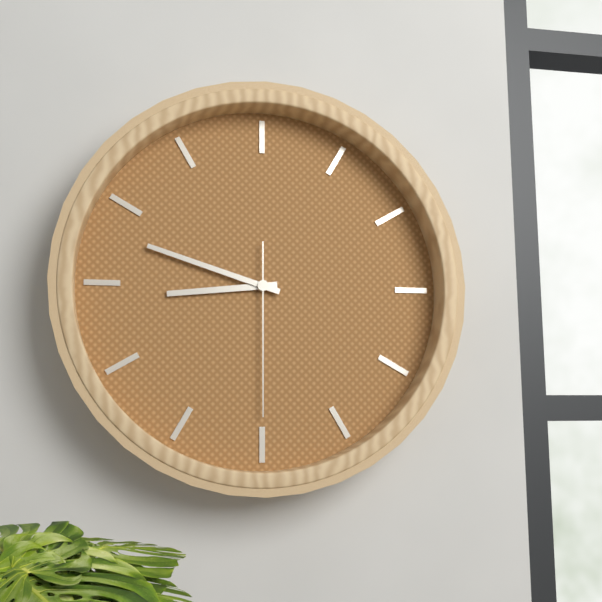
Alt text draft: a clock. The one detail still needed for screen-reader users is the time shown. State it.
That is 8:48:30
